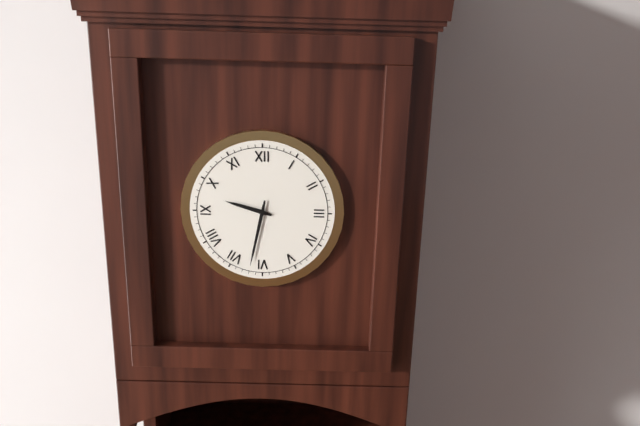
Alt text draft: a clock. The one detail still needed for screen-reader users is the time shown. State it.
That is 9:32
